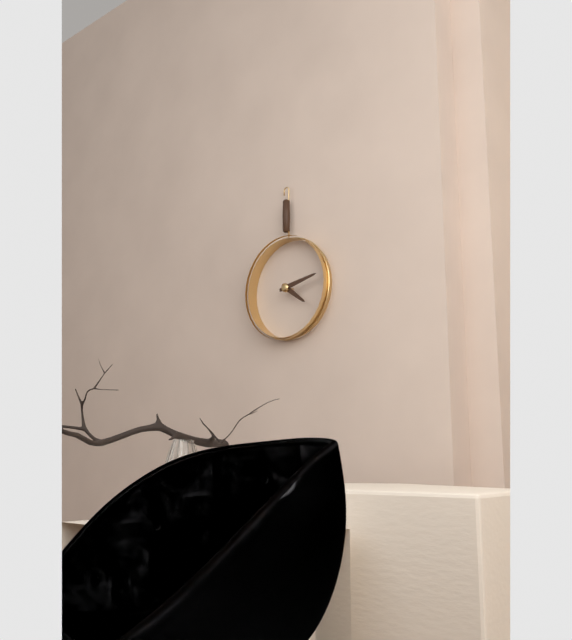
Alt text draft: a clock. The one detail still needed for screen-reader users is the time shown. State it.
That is 4:13
